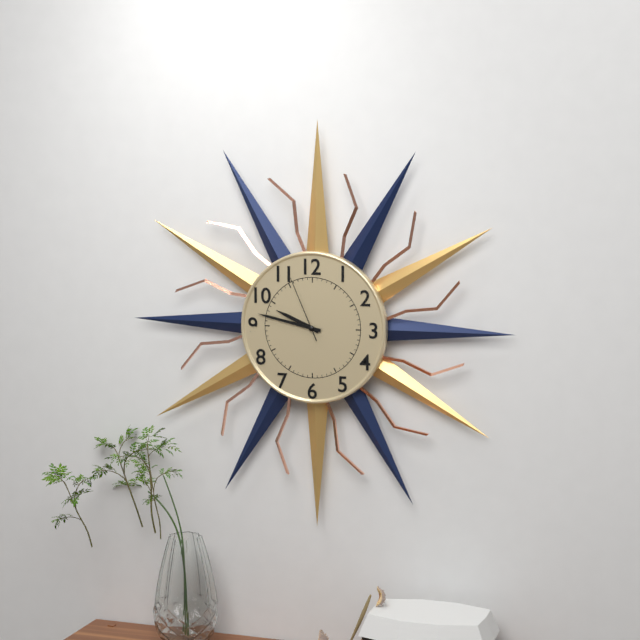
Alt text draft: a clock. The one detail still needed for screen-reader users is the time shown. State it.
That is 9:47:56
